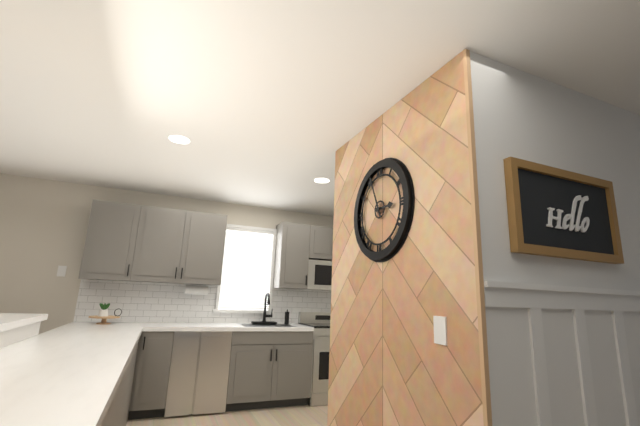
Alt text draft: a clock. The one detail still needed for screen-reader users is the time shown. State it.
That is 2:56
